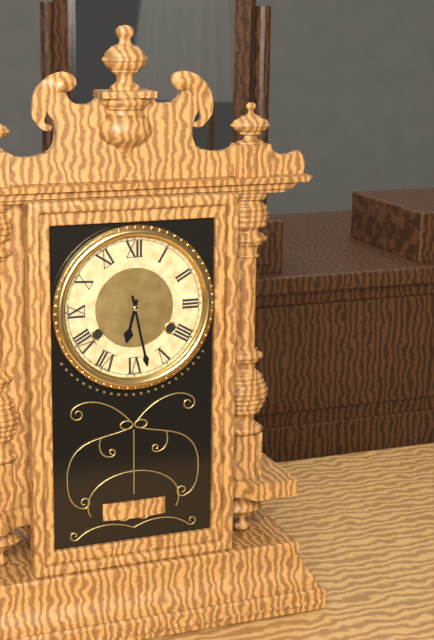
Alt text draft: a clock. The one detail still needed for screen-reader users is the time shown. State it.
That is 6:28
